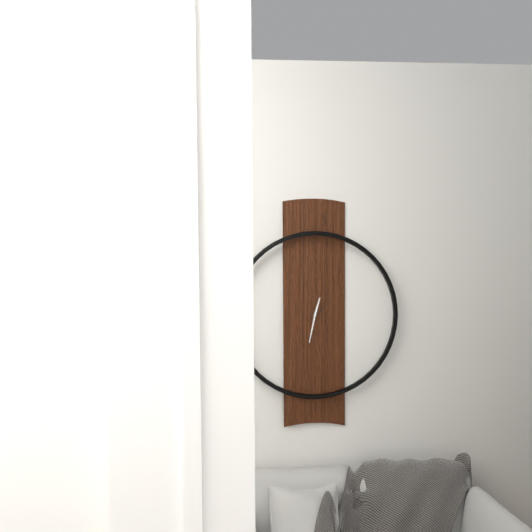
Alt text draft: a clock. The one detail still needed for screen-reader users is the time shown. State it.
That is 12:32
